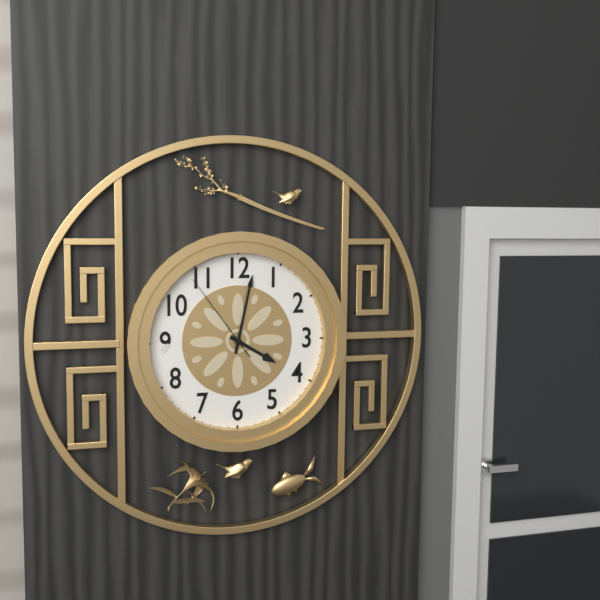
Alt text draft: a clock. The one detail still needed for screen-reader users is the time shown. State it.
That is 4:02:54
